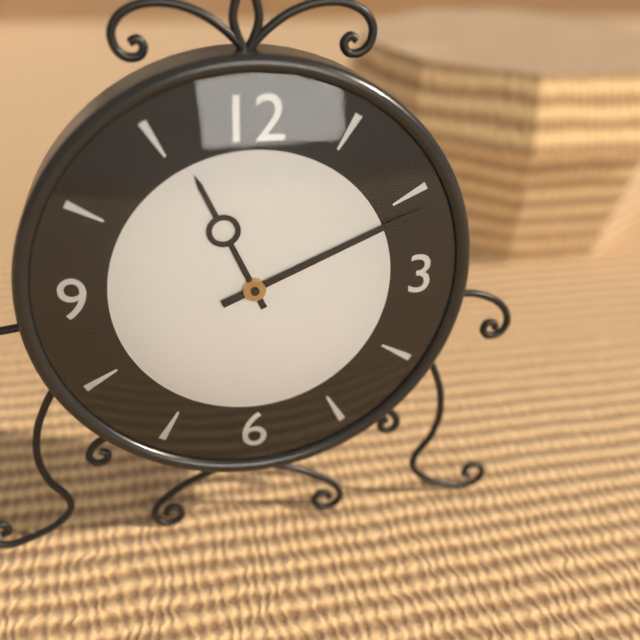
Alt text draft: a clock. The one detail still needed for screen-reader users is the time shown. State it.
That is 11:11
